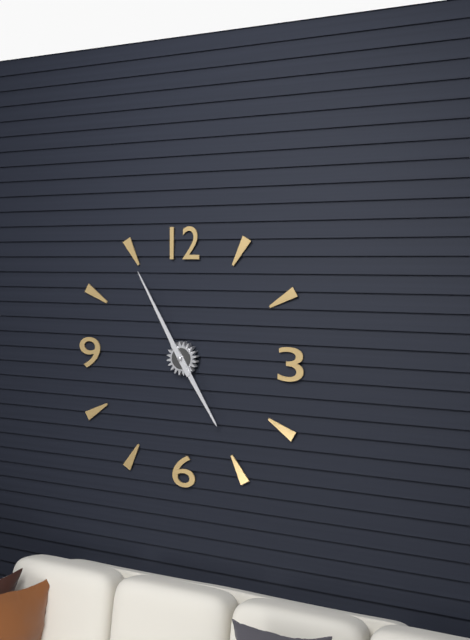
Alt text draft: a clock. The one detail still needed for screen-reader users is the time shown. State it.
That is 4:55
